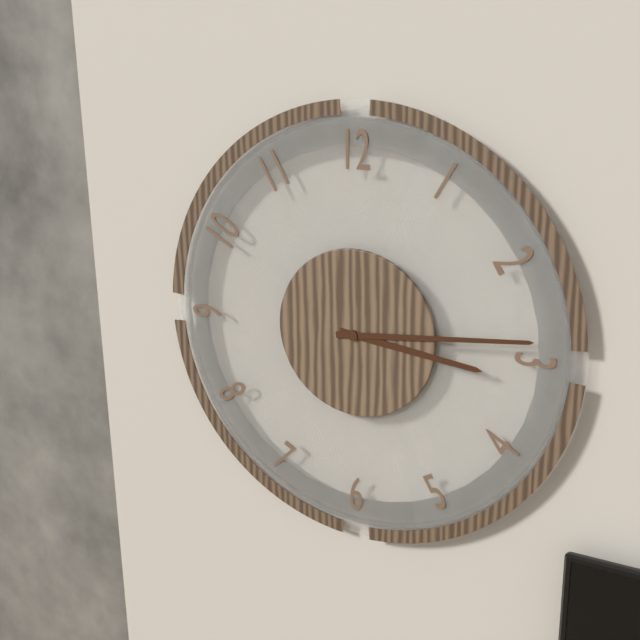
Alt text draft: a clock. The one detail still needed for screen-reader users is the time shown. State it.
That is 3:14
